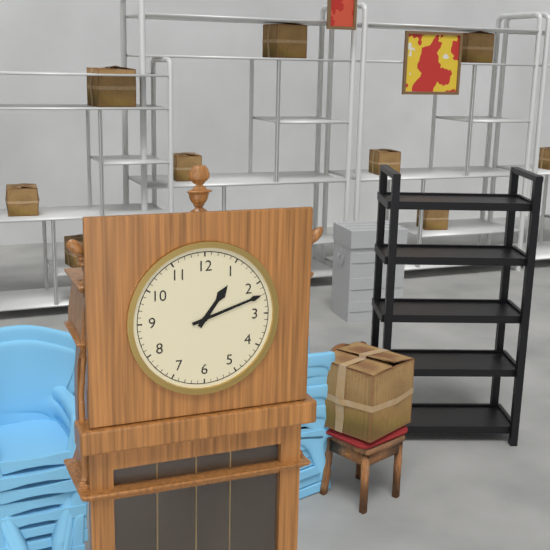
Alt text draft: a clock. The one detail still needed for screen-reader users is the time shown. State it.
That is 1:12
